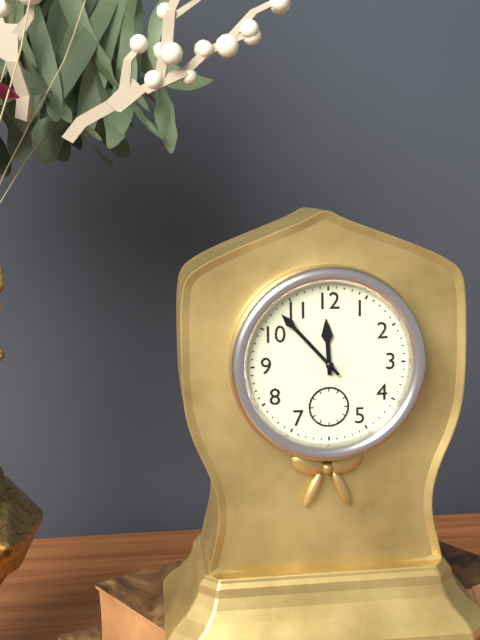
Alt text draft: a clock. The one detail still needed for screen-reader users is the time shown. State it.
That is 11:53
